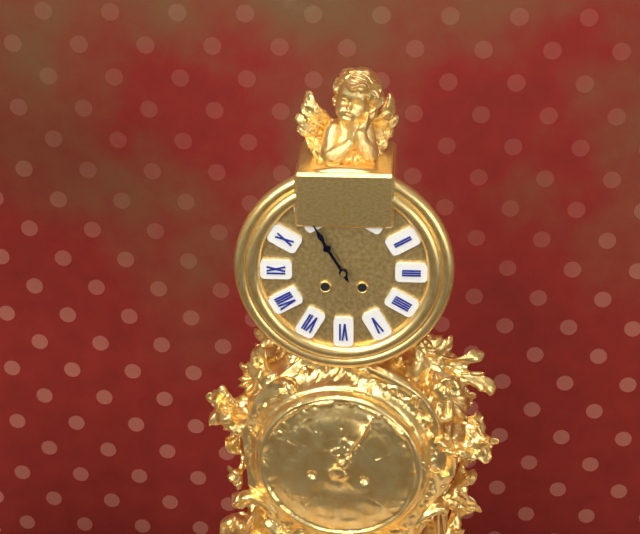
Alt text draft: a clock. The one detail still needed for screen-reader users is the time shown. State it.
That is 10:55
